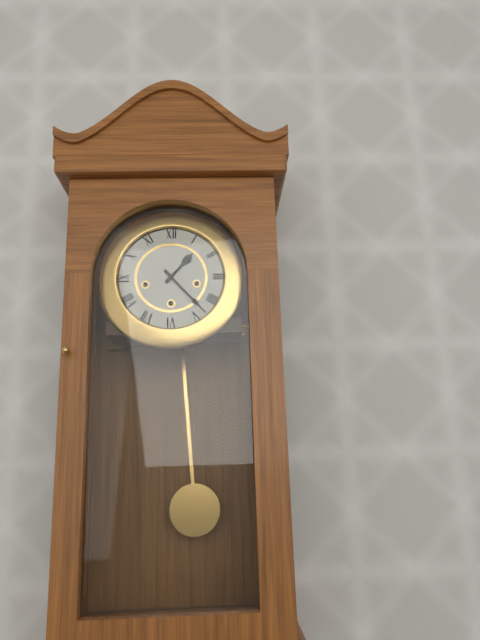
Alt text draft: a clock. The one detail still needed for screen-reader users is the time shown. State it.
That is 1:23
